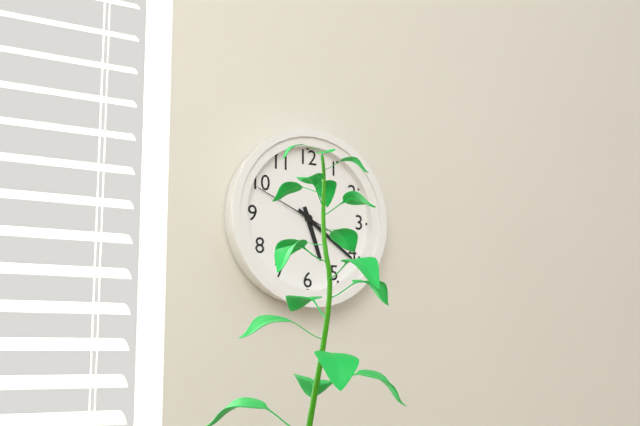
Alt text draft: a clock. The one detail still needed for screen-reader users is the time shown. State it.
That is 5:21:49
